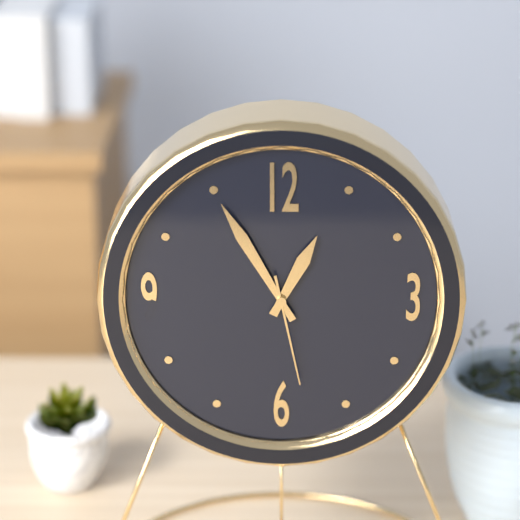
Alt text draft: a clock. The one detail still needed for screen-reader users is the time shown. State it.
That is 12:55:28
